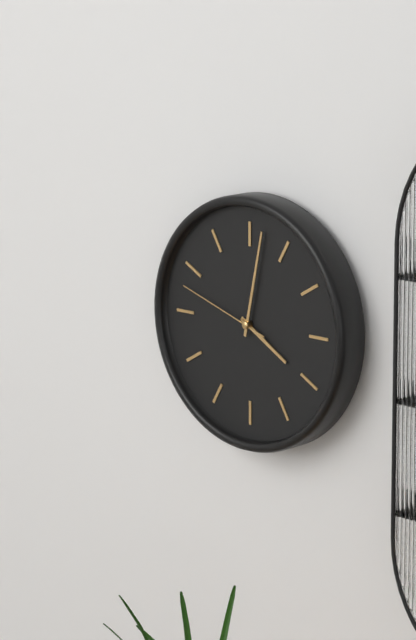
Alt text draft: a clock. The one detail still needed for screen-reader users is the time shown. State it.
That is 4:02:48
